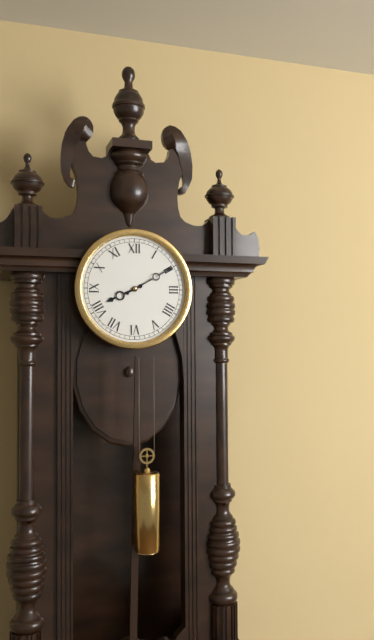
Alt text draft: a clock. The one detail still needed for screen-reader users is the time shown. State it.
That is 8:10
